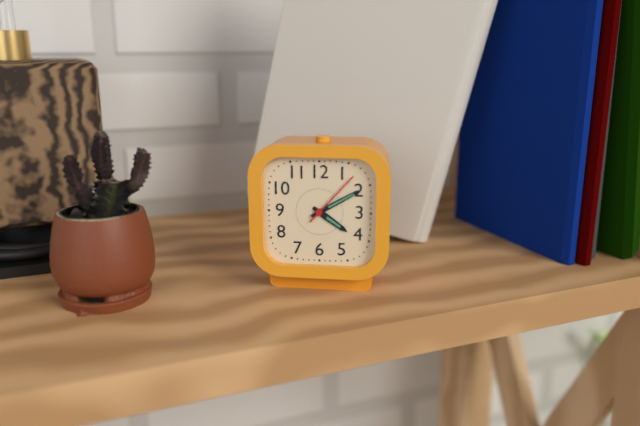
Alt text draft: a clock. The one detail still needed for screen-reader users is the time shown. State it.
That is 4:10:07
